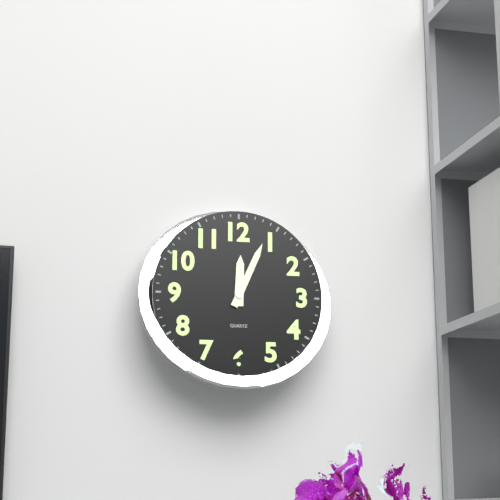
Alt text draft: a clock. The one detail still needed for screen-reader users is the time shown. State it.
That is 12:04
